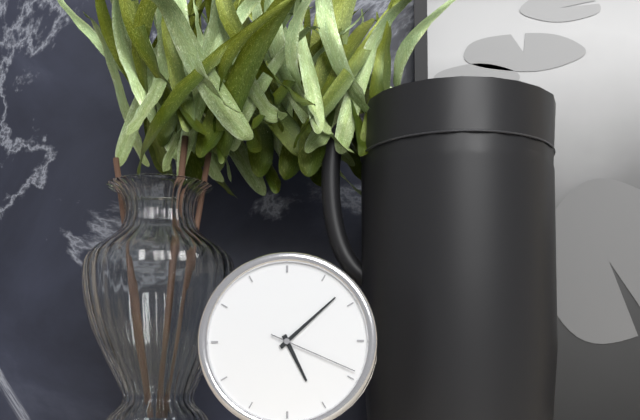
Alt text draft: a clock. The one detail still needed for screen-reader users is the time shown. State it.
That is 5:08:19
